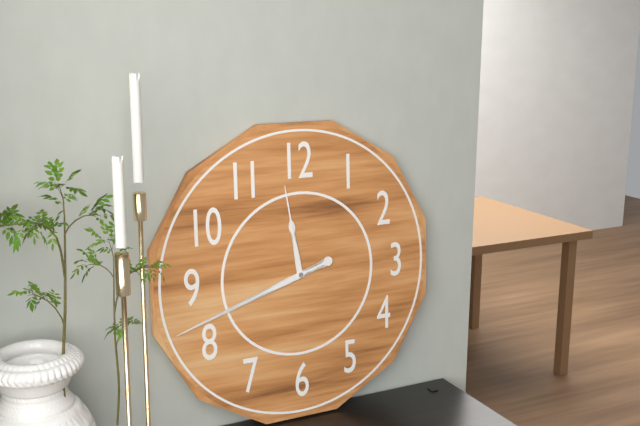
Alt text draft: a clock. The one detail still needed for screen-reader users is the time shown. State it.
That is 11:42
